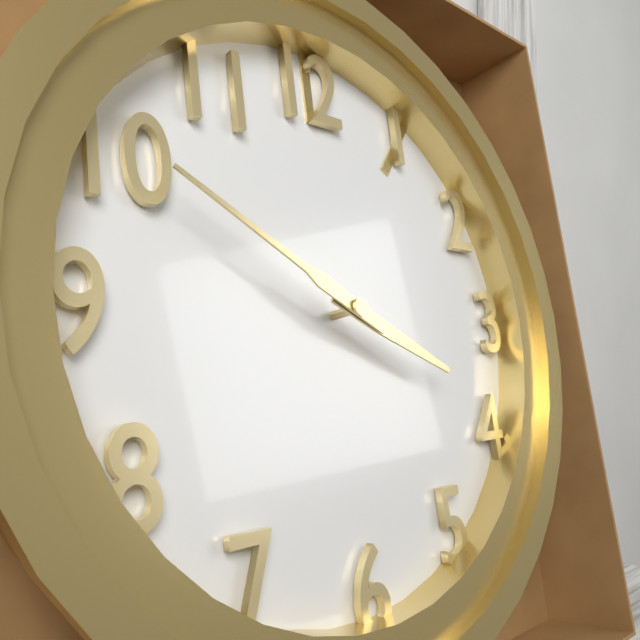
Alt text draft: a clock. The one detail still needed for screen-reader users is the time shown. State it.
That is 3:50
